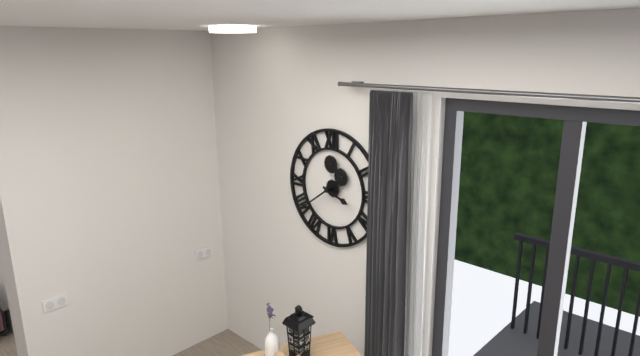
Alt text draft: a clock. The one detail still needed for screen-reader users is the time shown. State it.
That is 3:39
